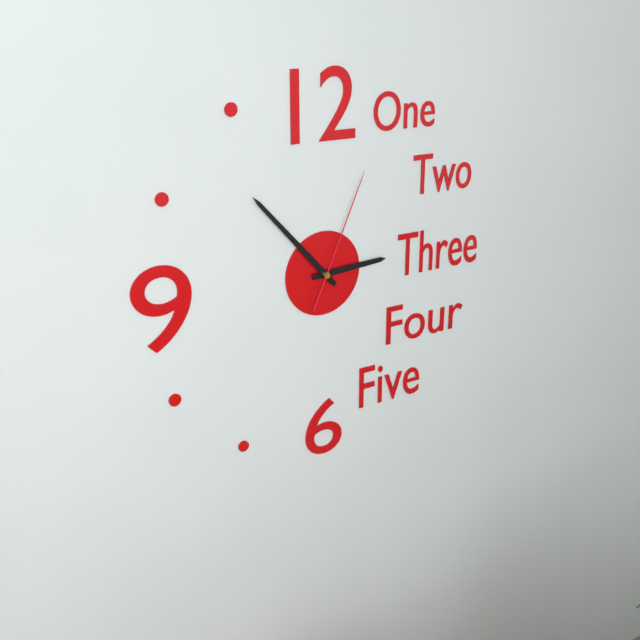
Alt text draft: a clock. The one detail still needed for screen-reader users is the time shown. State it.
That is 2:53:04
